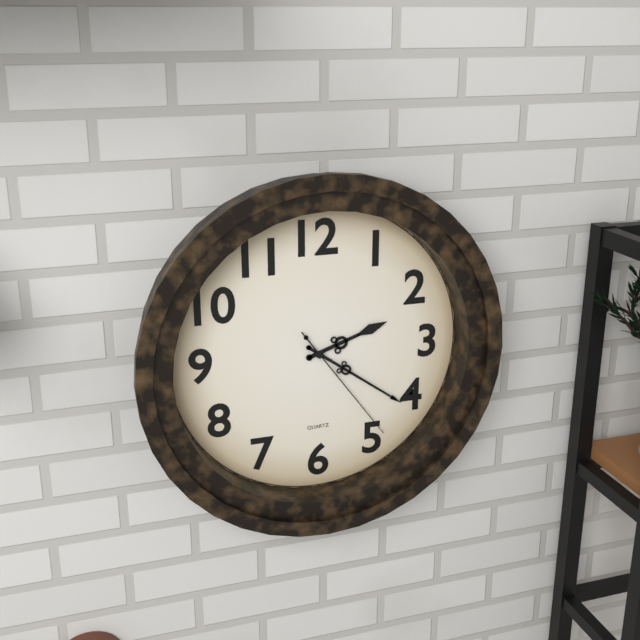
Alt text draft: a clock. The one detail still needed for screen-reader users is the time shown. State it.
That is 2:21:24
